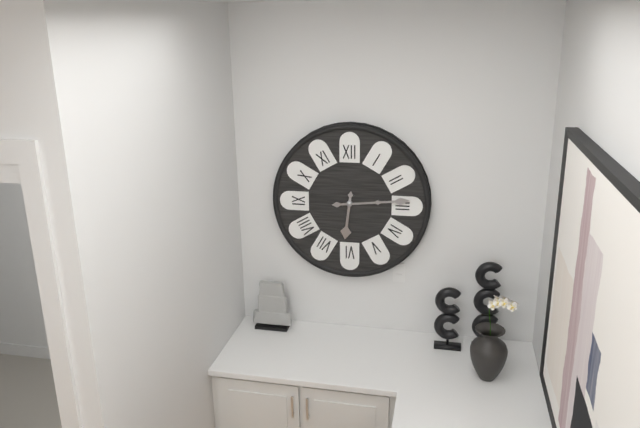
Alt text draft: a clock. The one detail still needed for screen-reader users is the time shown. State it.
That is 6:14
